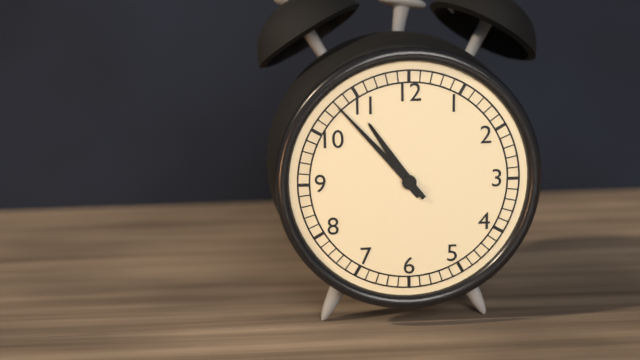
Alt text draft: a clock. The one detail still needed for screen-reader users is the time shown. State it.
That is 10:53
